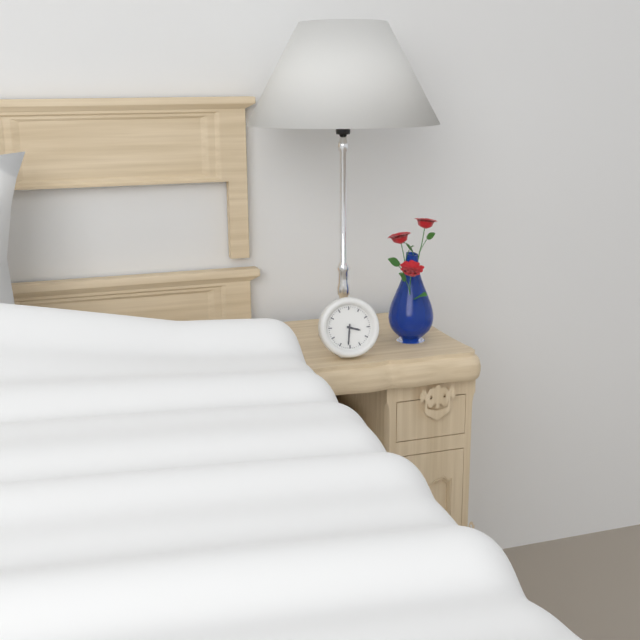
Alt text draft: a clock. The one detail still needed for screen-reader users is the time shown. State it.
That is 3:31
